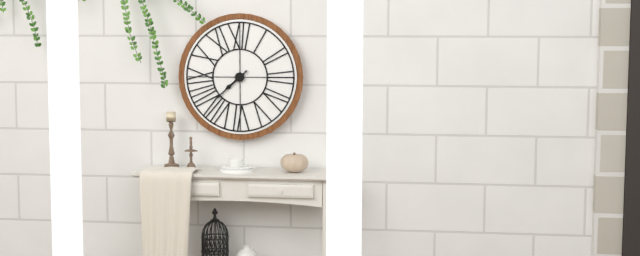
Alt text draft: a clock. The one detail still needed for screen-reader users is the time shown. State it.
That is 7:38
